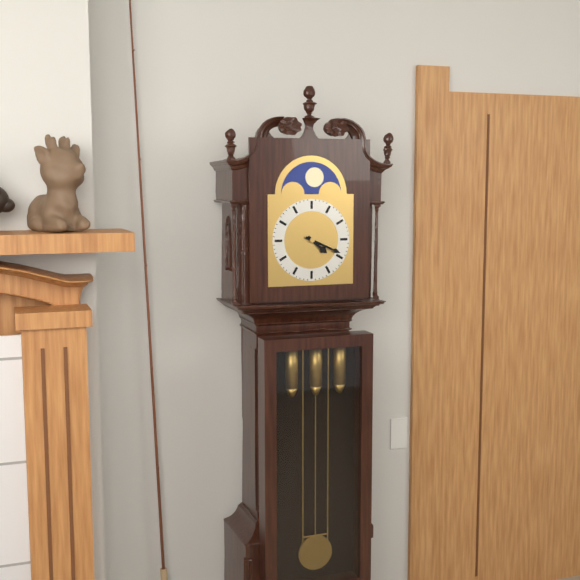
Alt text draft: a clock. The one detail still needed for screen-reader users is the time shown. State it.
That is 4:19
